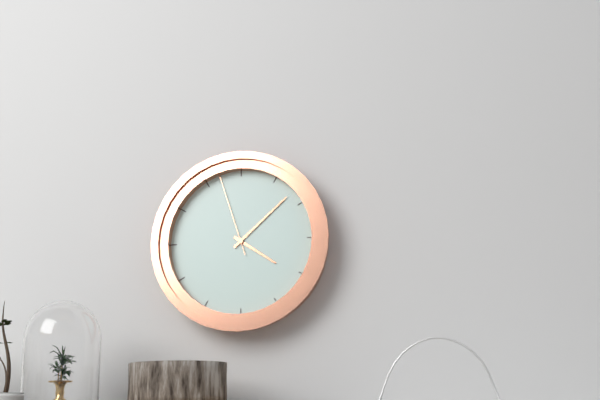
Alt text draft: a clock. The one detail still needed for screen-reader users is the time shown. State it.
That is 4:08:57
